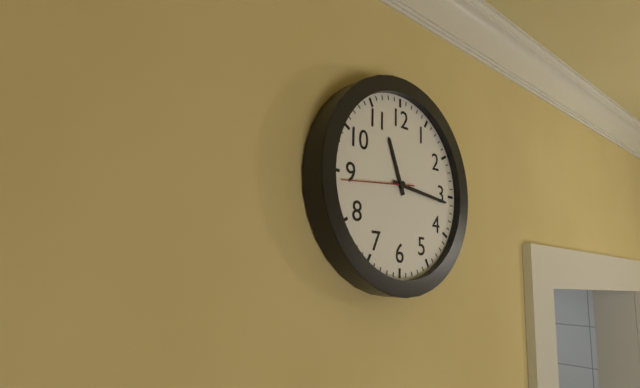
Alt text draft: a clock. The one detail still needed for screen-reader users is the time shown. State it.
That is 11:16:44
